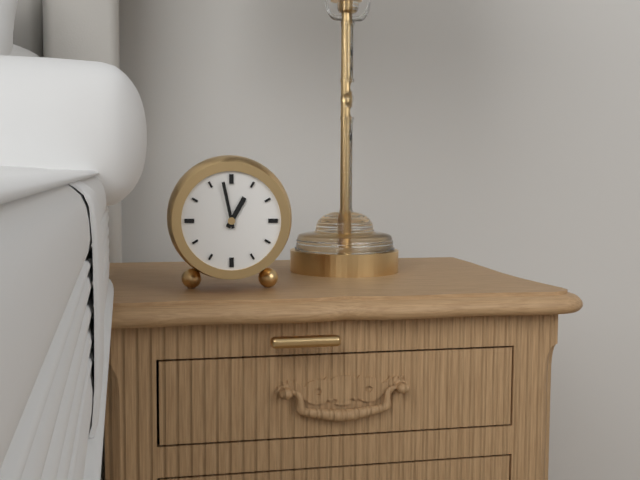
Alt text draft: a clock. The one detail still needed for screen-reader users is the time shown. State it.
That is 12:58
